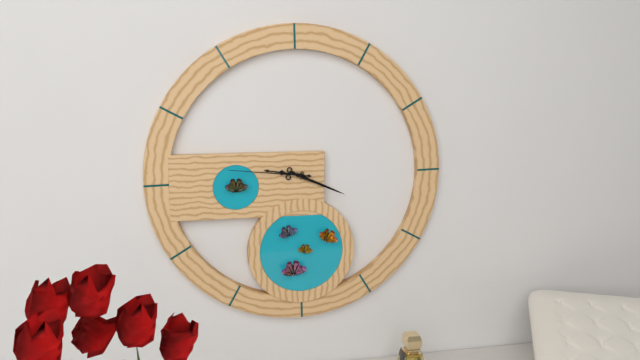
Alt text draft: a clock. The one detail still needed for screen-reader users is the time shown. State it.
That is 9:19:46
